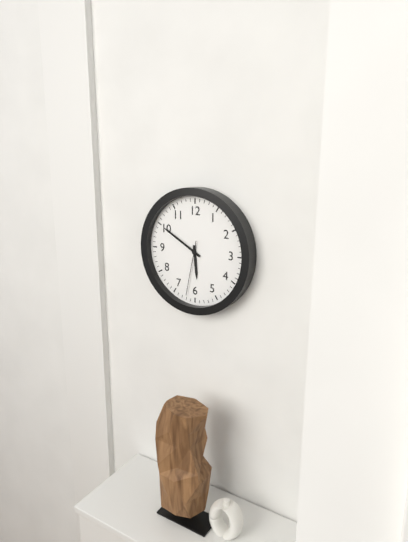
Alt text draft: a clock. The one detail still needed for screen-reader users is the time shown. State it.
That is 5:50:32
